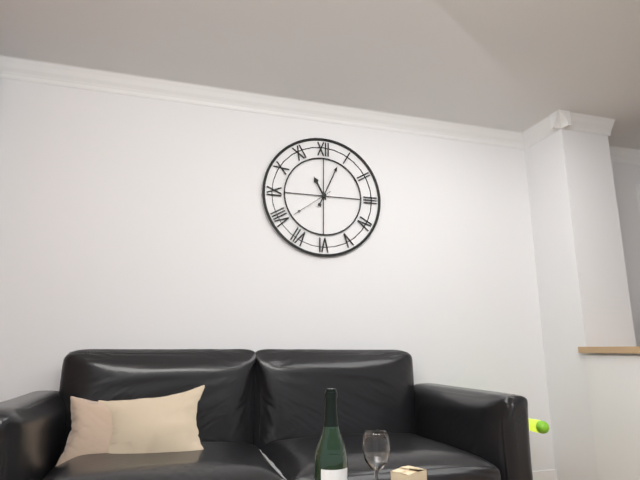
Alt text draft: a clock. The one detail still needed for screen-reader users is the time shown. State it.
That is 11:04
